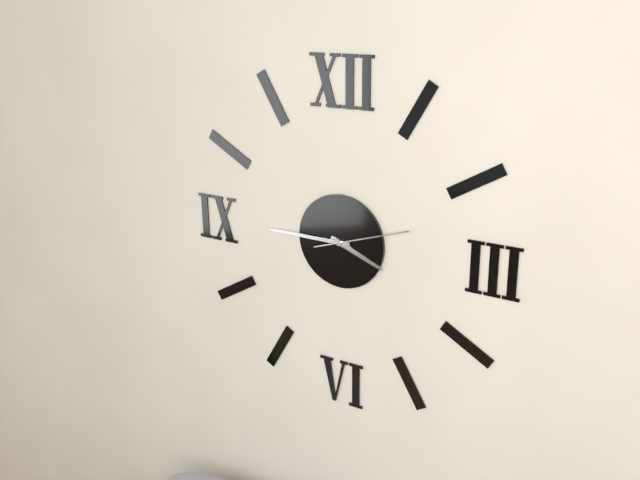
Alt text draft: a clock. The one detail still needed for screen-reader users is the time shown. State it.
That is 3:45:12
